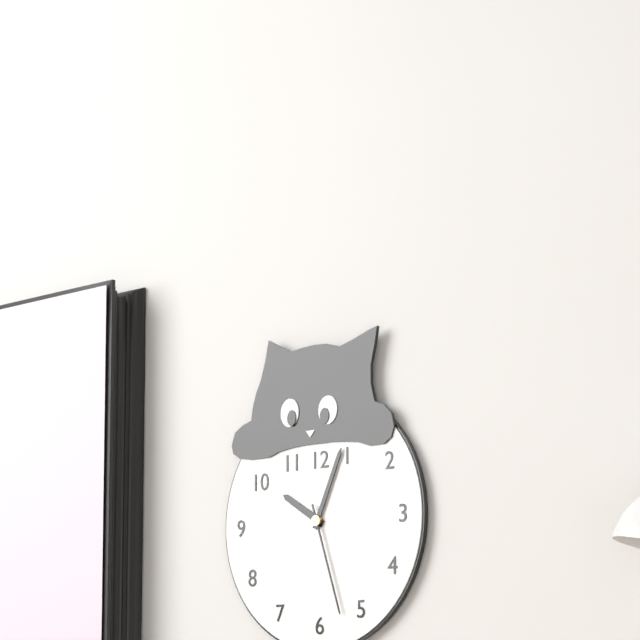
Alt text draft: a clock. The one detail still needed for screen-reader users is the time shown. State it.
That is 10:04:27
